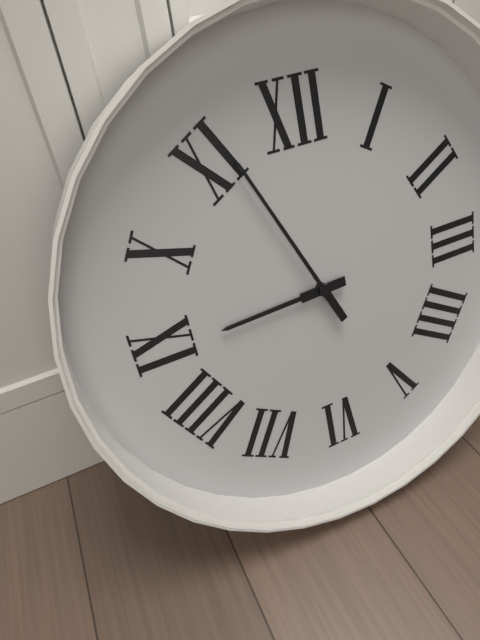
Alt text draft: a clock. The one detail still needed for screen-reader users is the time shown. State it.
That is 8:56
